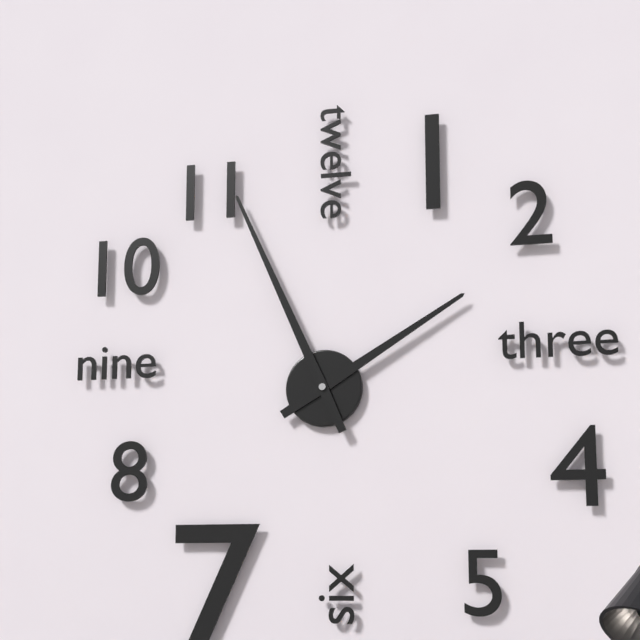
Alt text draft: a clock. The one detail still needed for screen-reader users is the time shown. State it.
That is 1:56
